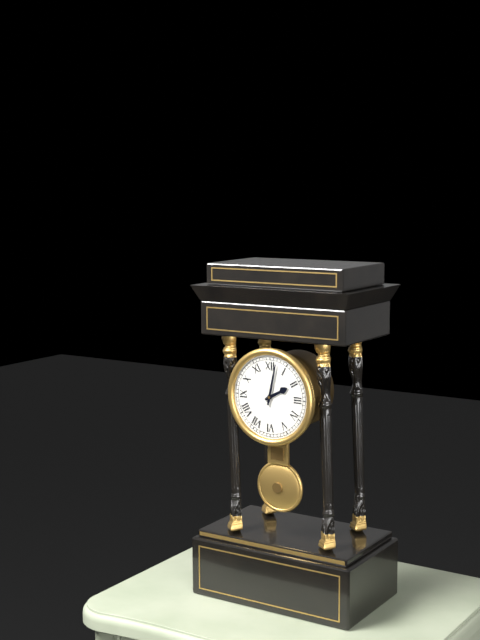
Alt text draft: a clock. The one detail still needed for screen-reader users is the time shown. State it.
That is 2:02
